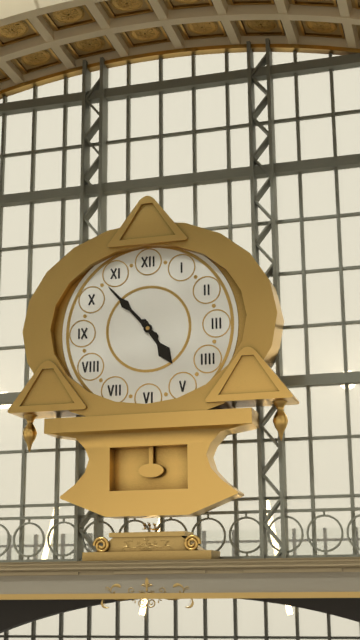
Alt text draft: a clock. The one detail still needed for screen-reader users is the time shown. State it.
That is 4:53
